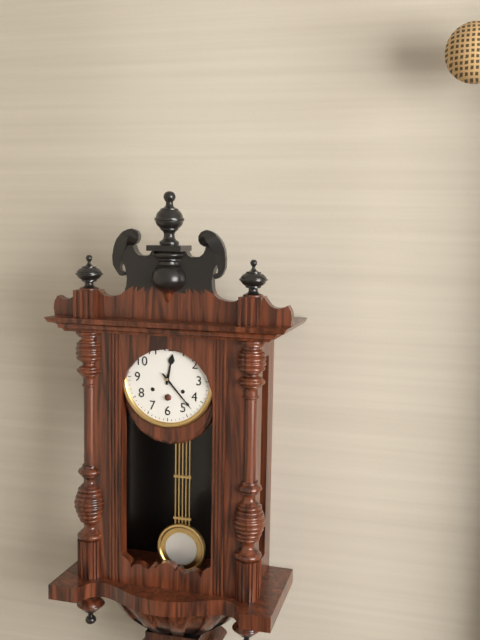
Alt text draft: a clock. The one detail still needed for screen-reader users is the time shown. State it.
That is 12:23
